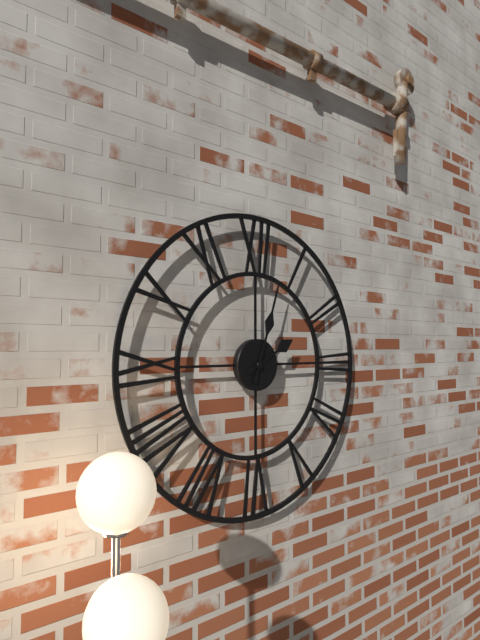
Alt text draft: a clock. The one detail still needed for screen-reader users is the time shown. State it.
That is 2:03
